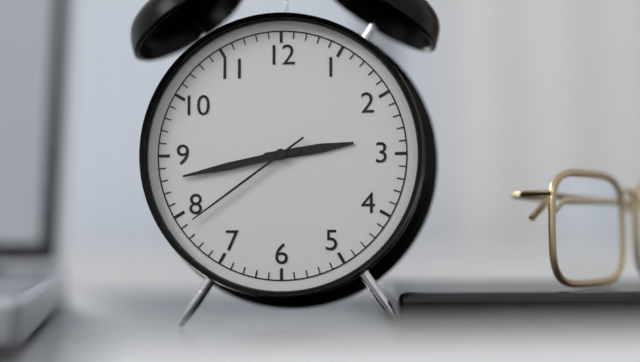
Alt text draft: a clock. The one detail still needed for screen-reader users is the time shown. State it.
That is 2:43:39
